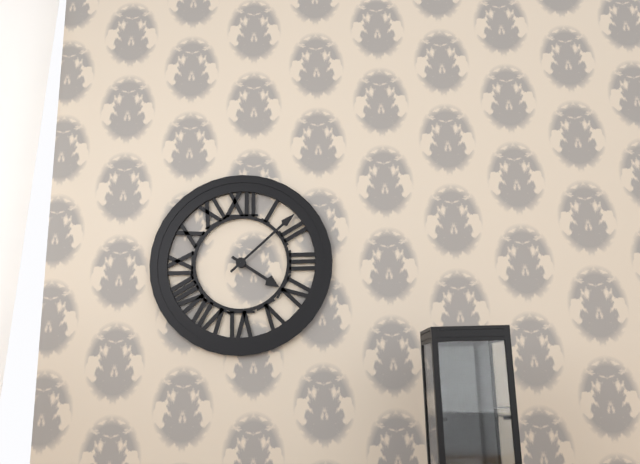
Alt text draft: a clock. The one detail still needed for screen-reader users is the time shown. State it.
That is 4:08
